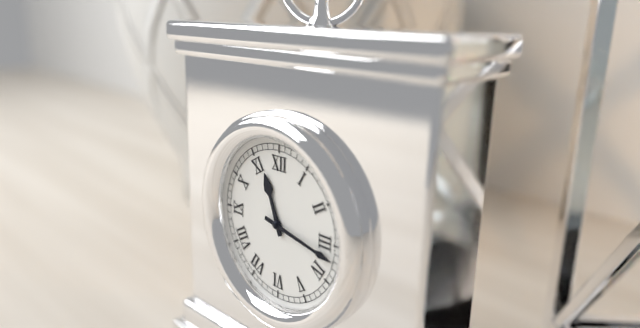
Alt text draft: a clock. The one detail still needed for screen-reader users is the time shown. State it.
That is 11:17
